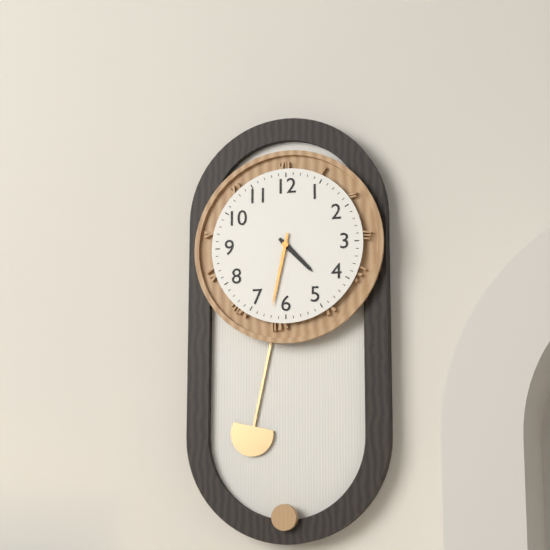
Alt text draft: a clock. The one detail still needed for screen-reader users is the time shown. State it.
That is 4:32
